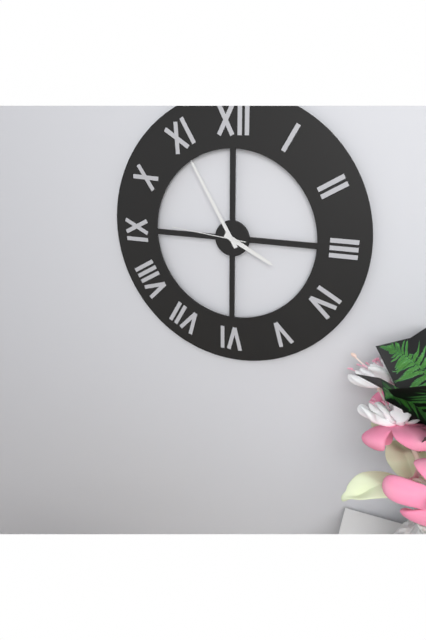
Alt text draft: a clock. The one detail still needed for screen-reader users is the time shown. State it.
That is 3:55:46
